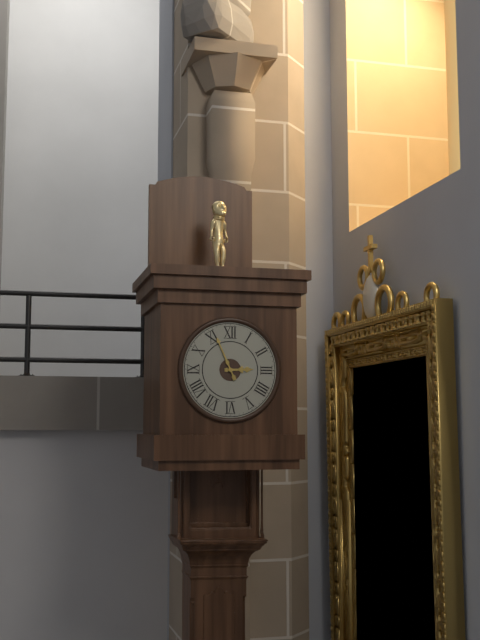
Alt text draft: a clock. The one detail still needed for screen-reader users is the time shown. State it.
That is 2:56
